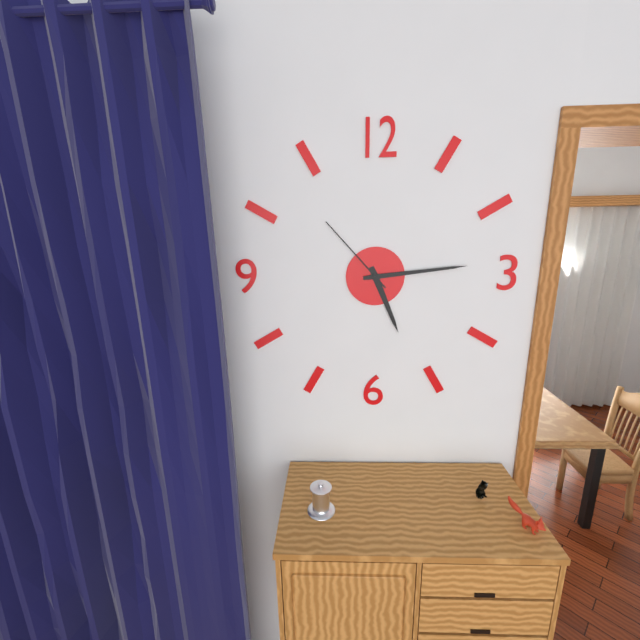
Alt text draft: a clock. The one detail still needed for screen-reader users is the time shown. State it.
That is 5:14:53
